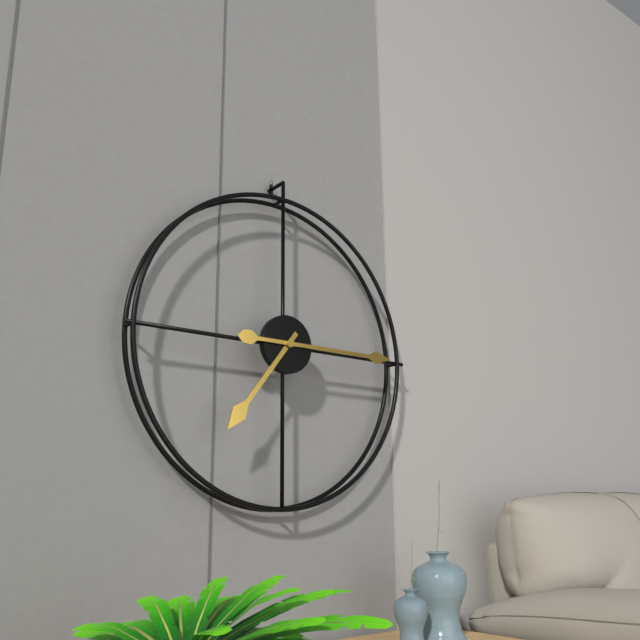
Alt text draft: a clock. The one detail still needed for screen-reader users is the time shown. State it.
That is 7:15
